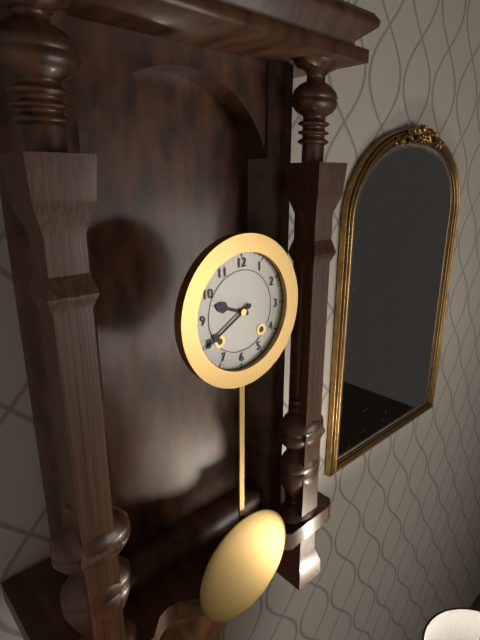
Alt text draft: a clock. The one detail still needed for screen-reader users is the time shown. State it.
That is 9:40
